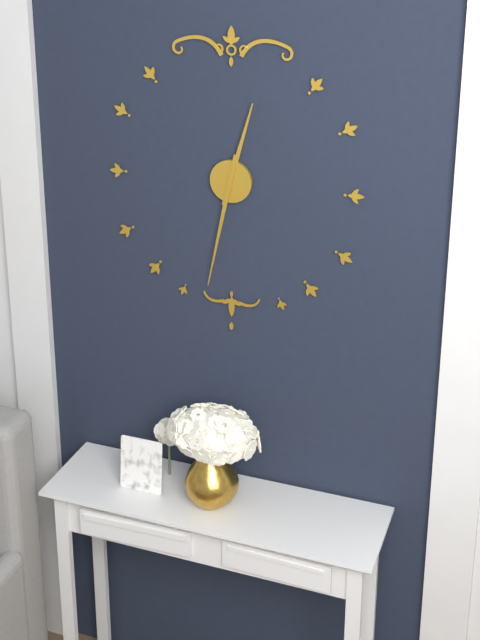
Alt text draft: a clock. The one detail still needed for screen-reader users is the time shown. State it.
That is 12:32
